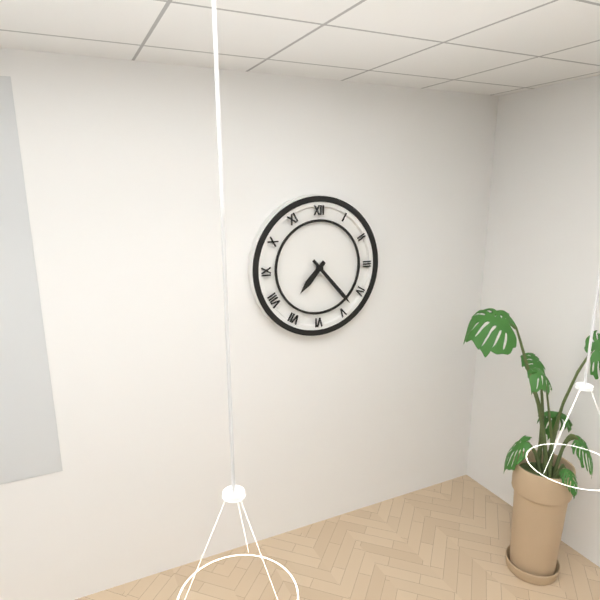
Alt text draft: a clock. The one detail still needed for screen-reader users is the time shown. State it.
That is 7:23
